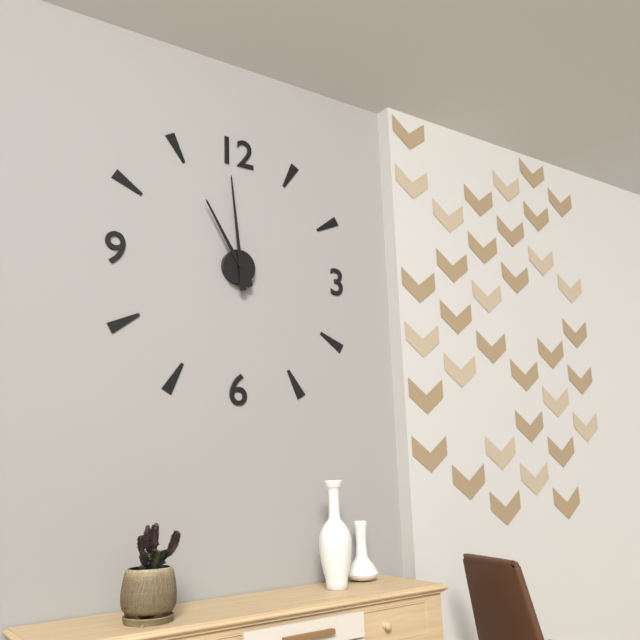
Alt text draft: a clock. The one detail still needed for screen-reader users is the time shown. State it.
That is 10:59
